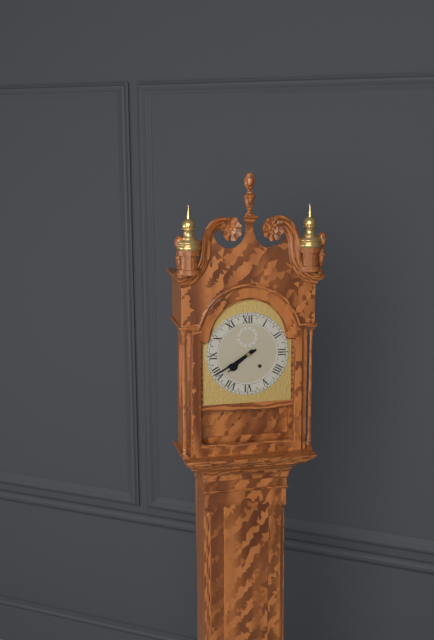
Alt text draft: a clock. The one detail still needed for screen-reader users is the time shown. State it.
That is 7:40
